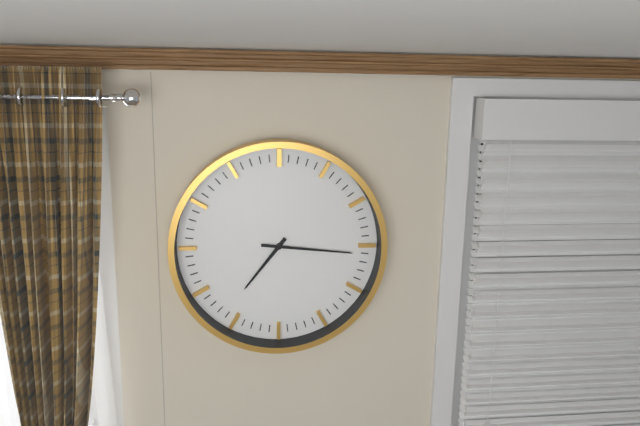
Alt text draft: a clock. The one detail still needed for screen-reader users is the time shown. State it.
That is 7:16
